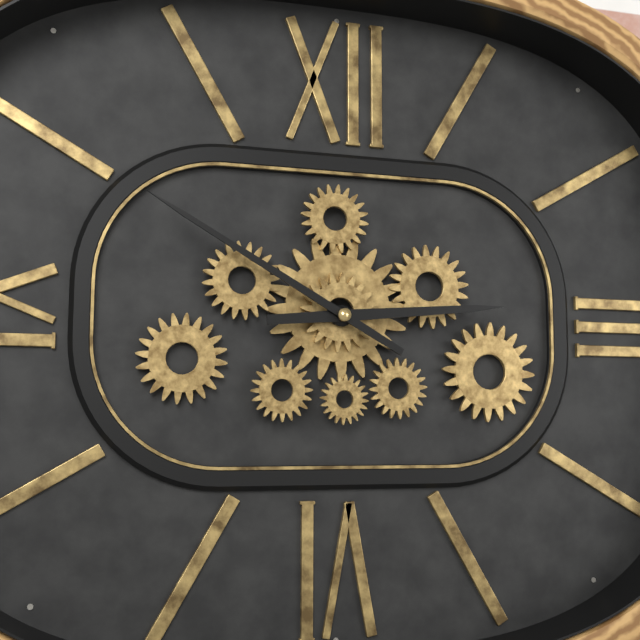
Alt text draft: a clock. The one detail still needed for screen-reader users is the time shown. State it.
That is 2:50
